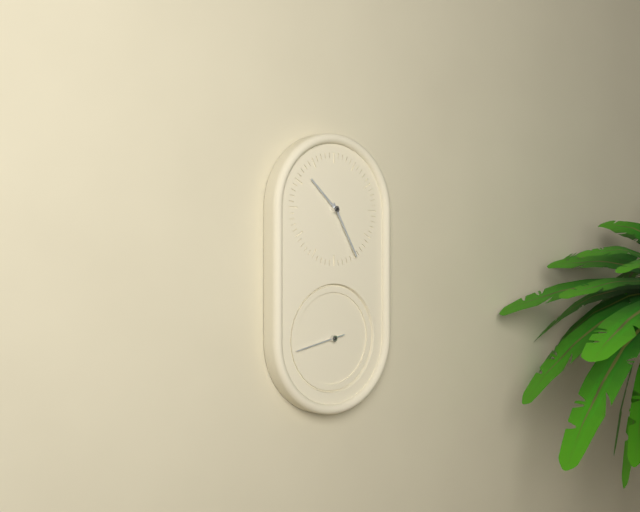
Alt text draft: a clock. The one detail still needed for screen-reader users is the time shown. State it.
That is 10:25
